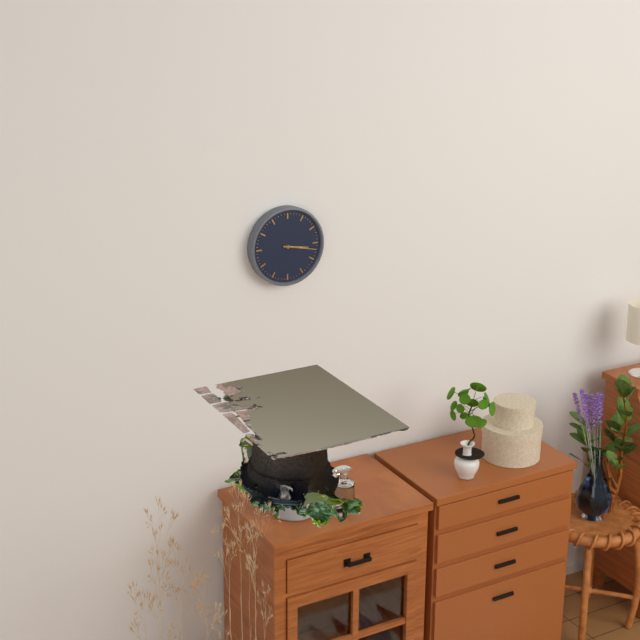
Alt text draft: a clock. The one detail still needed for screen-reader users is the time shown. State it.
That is 3:17
